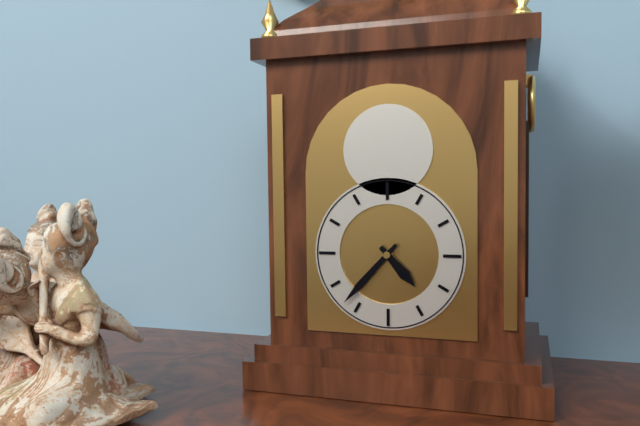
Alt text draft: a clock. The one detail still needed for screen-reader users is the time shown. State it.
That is 4:37
